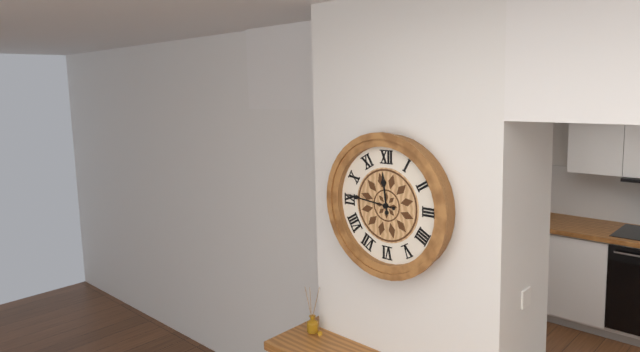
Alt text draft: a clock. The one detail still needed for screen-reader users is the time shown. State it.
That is 11:46
